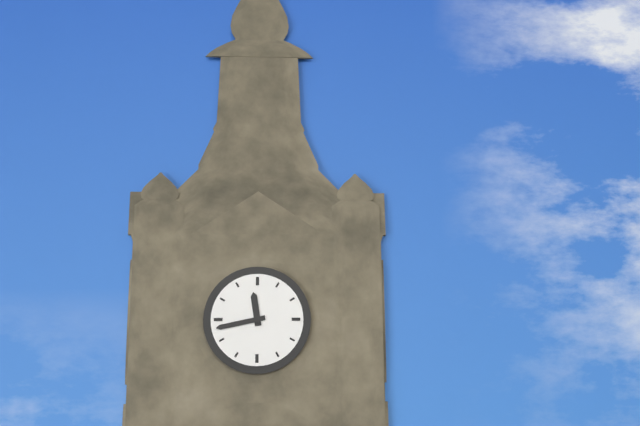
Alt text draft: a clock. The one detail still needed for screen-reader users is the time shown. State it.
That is 11:43
